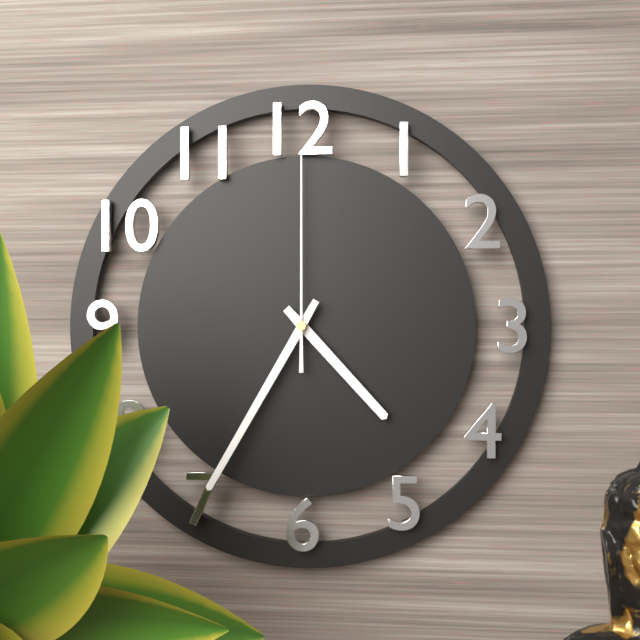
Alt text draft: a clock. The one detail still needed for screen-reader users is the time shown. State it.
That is 4:35:00
